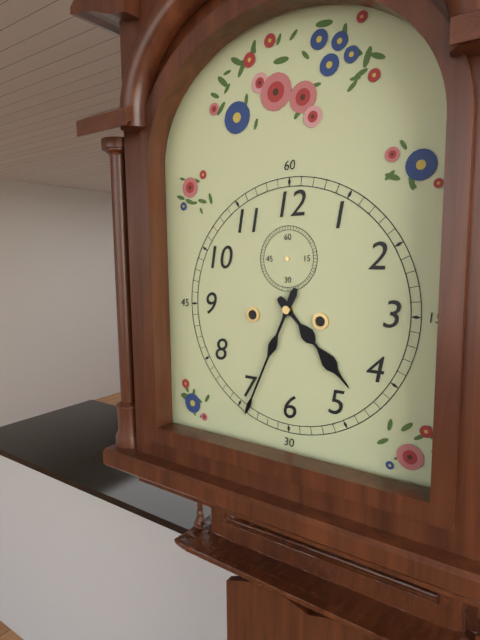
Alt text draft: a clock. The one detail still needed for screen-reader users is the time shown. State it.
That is 4:34
